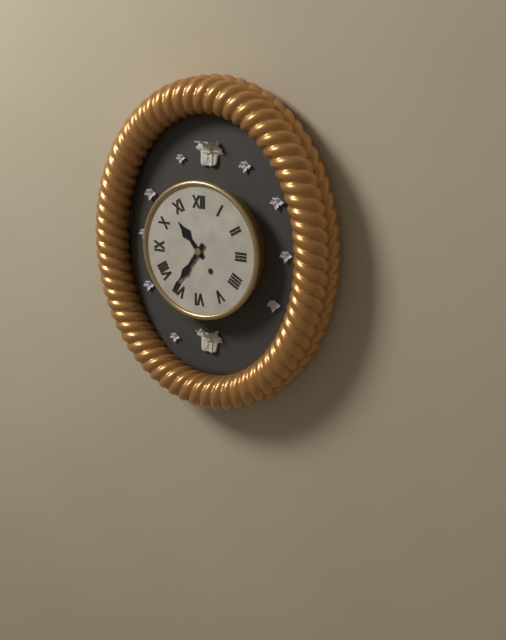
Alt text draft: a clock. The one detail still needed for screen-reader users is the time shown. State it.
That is 10:36
